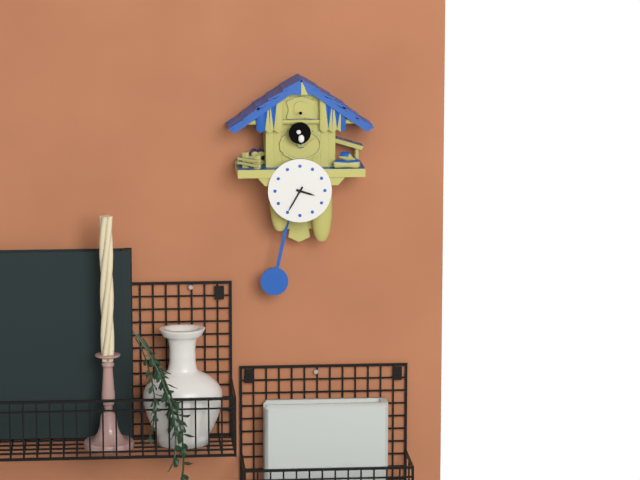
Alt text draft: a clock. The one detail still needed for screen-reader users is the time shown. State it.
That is 3:35
